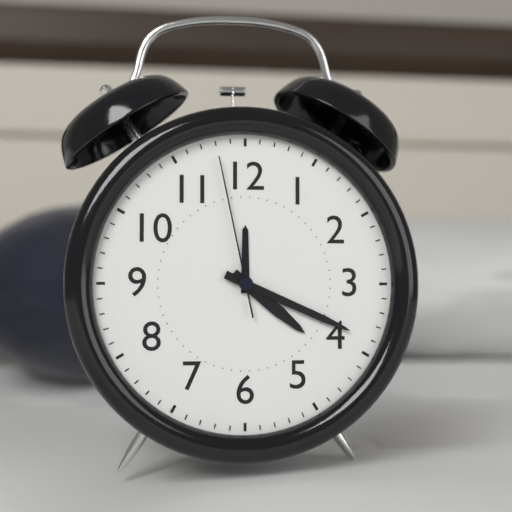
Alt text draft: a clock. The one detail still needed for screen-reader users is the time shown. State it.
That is 4:19:58
